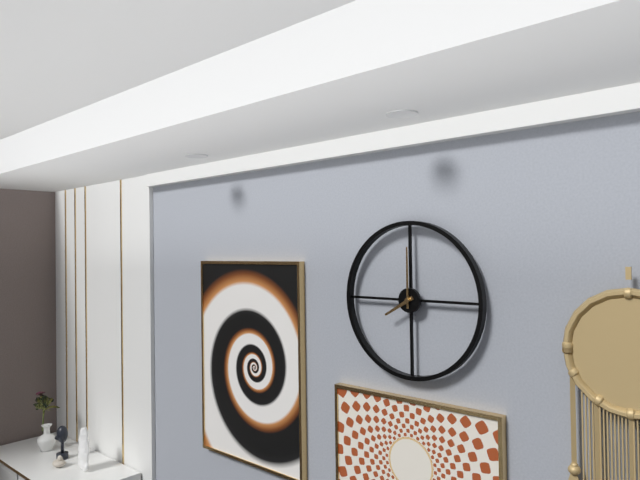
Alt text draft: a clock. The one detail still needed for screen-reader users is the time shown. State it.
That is 8:00
